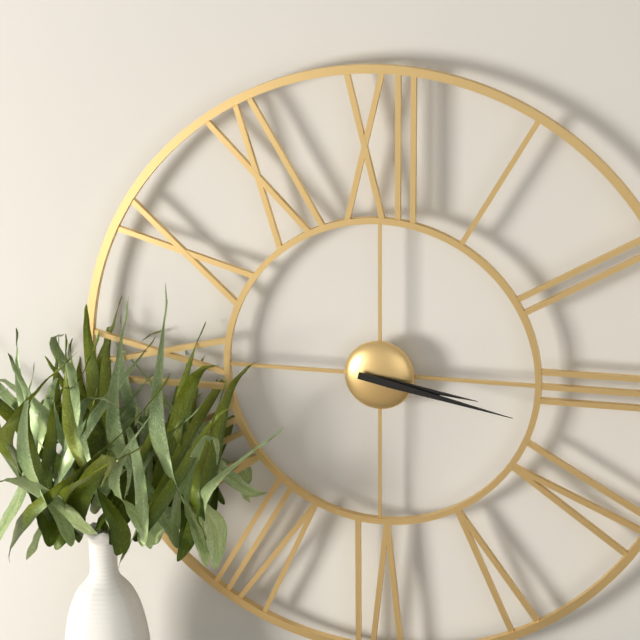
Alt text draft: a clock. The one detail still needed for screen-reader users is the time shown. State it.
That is 3:17
